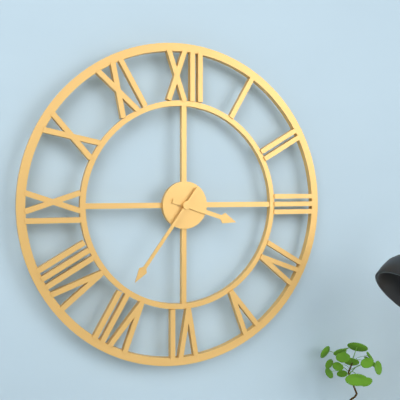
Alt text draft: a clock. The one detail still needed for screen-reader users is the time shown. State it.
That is 3:36
